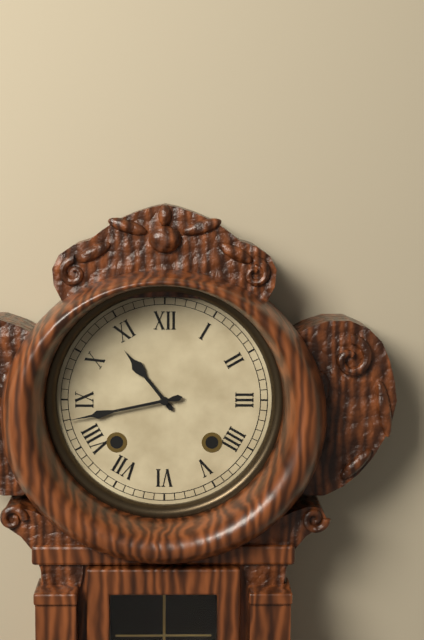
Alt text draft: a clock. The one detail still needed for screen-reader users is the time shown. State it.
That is 10:43
